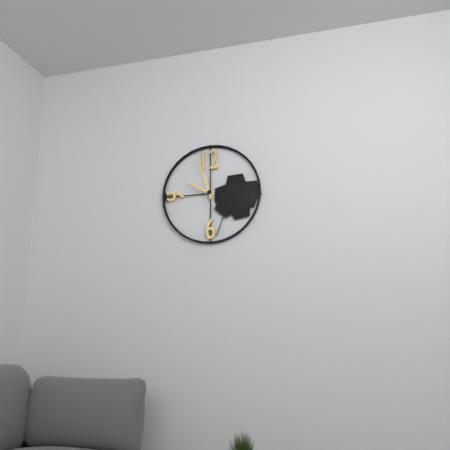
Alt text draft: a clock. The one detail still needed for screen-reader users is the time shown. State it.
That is 9:57
